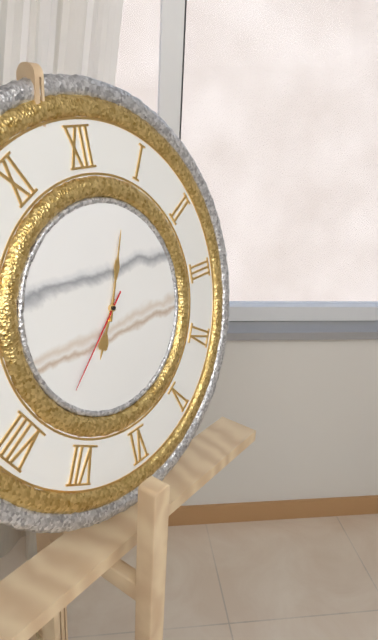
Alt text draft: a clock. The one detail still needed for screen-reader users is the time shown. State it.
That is 7:04:38
